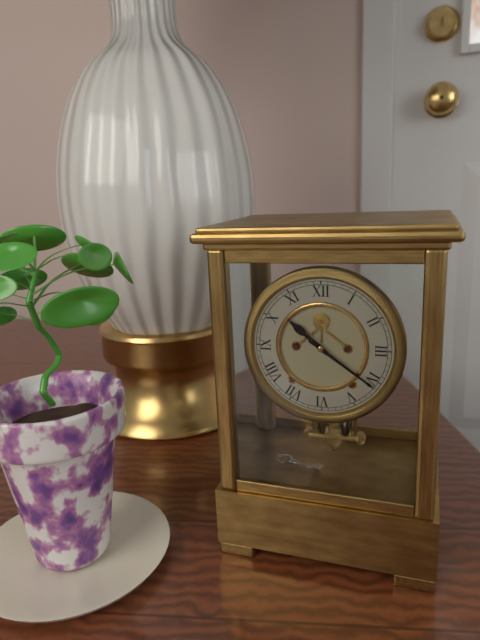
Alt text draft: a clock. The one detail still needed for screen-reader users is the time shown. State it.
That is 10:21
